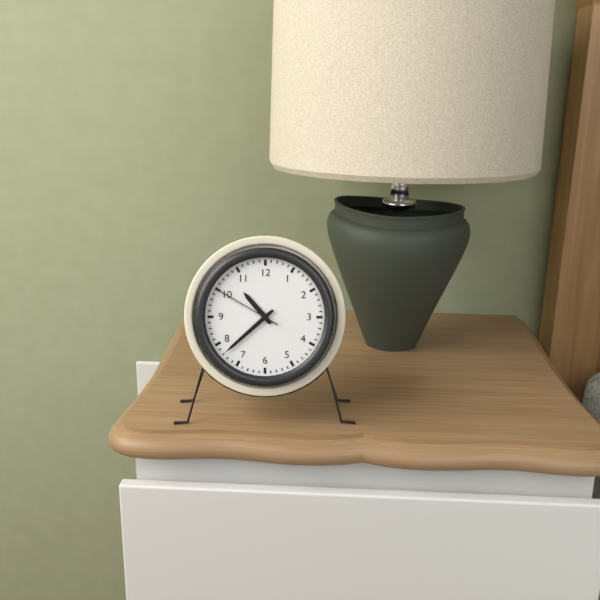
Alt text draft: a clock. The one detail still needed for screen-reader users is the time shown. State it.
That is 10:38:50
